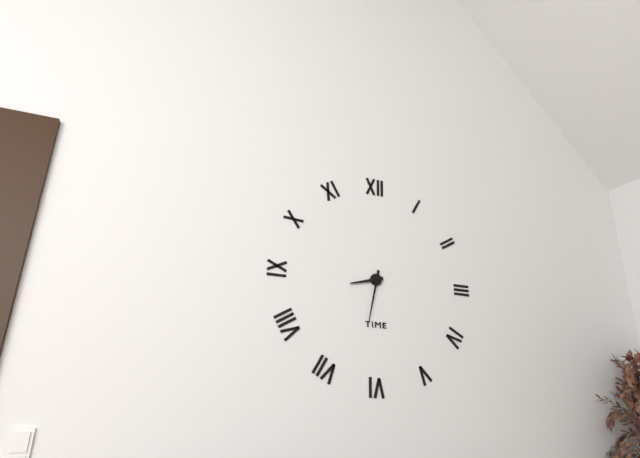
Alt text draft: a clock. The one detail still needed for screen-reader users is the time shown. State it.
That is 8:32
